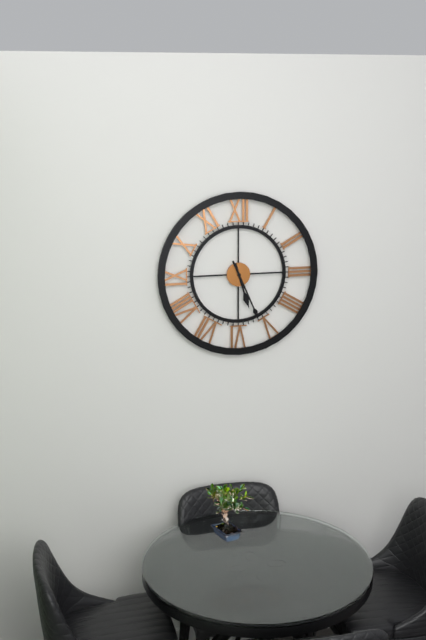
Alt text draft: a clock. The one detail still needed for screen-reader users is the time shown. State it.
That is 5:26
